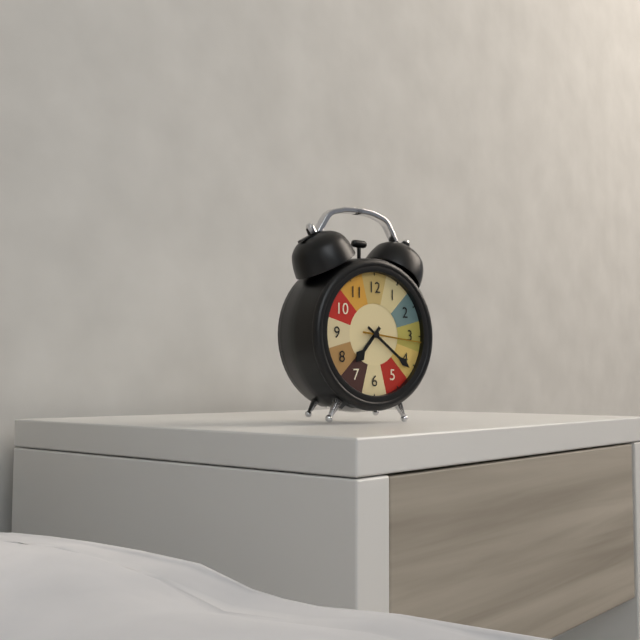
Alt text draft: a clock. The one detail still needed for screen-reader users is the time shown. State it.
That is 7:21:16
